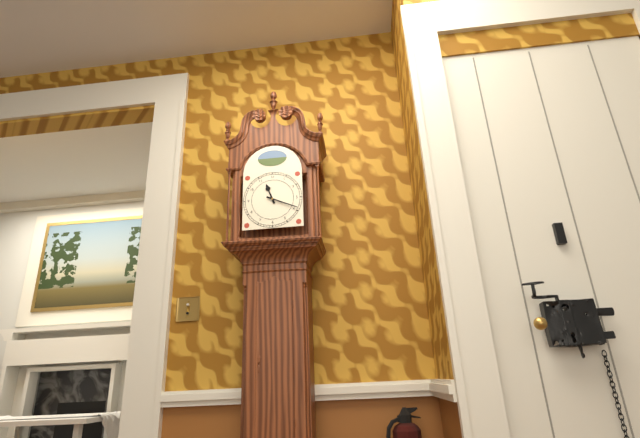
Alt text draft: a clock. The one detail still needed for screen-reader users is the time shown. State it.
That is 11:19
